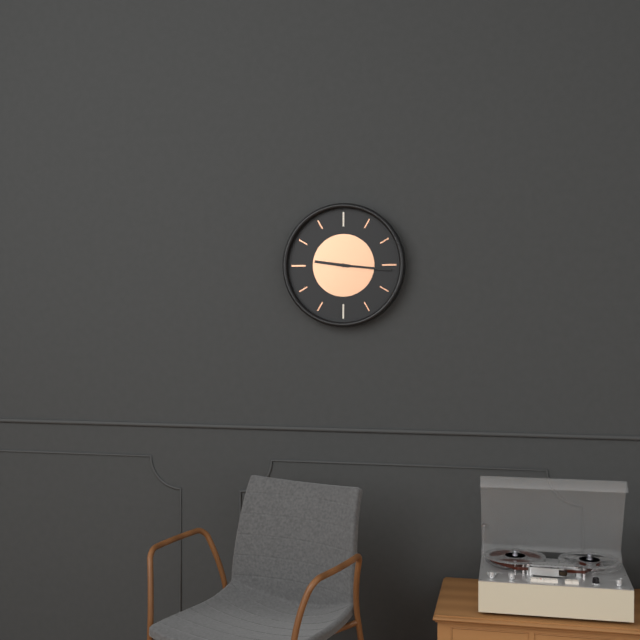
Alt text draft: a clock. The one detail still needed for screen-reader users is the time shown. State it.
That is 9:16
